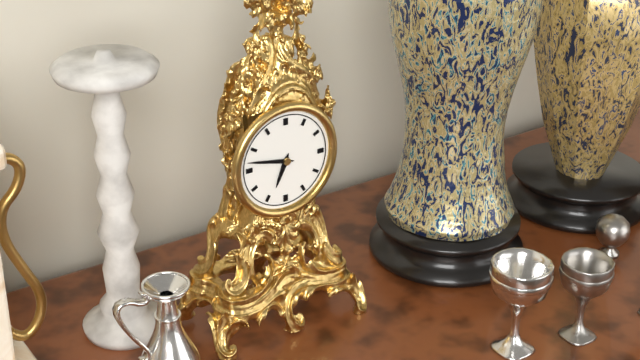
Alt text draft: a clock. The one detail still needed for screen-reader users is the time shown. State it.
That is 6:47
